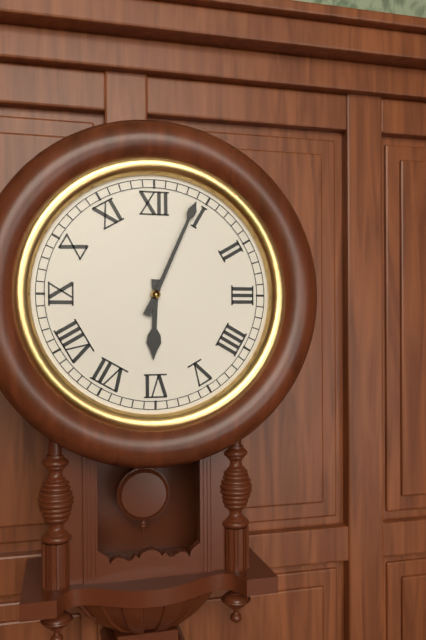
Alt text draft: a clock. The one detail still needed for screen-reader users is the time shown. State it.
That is 6:04
